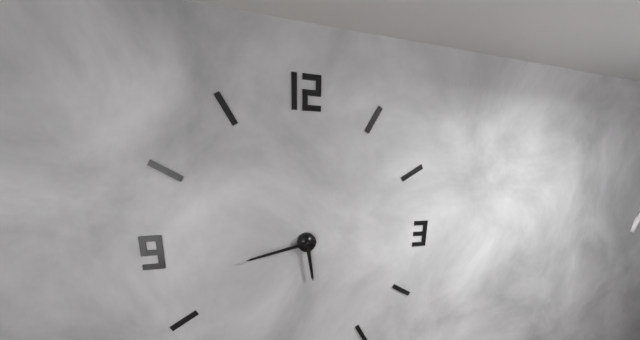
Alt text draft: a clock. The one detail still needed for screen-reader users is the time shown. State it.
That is 5:43
